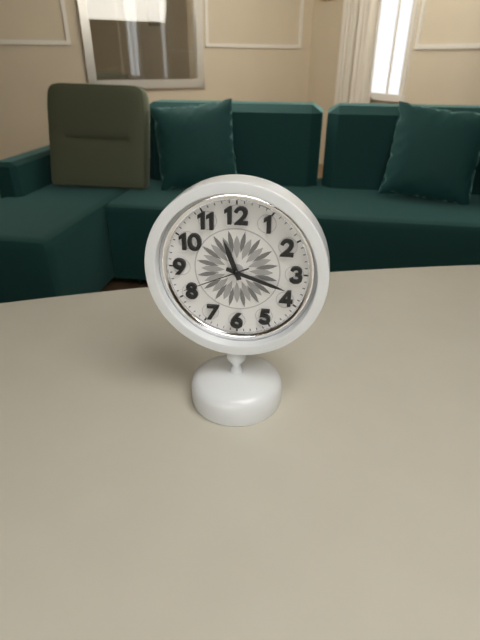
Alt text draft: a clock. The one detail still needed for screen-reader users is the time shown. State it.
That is 11:18:41
